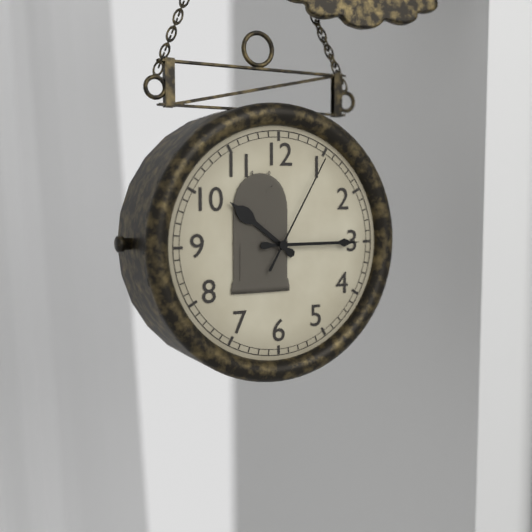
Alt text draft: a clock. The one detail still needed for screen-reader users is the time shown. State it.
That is 10:15:05
